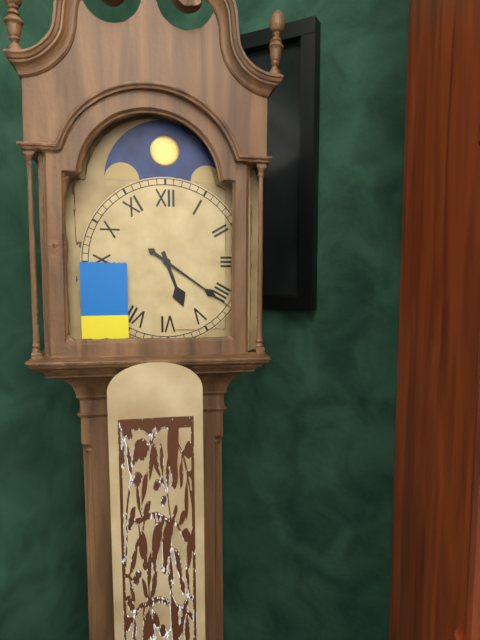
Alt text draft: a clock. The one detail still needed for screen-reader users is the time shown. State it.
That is 5:21
